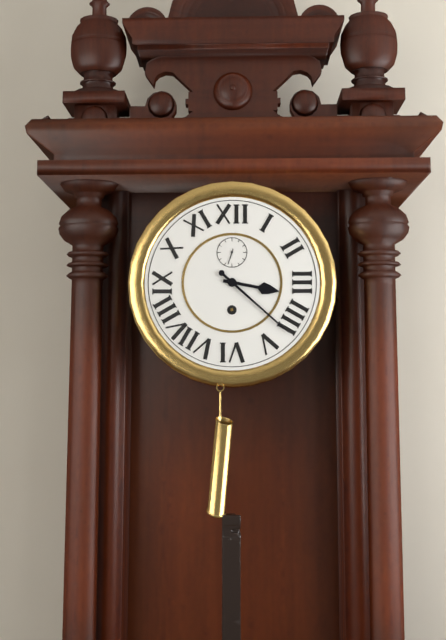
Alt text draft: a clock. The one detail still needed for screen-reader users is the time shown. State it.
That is 3:22
